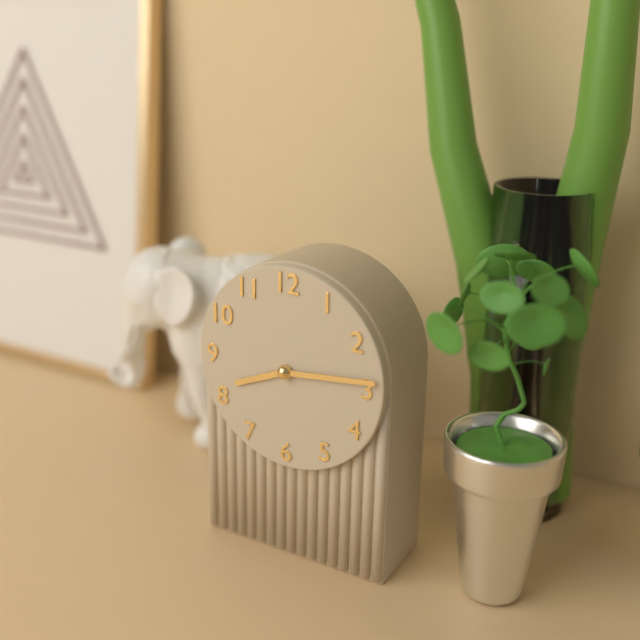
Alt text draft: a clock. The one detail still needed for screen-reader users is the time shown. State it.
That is 8:14
